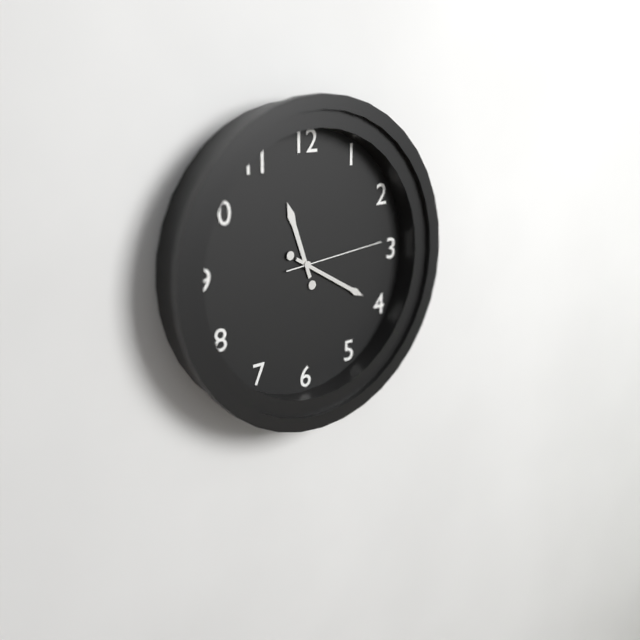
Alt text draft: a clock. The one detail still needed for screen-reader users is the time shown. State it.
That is 11:20:14
